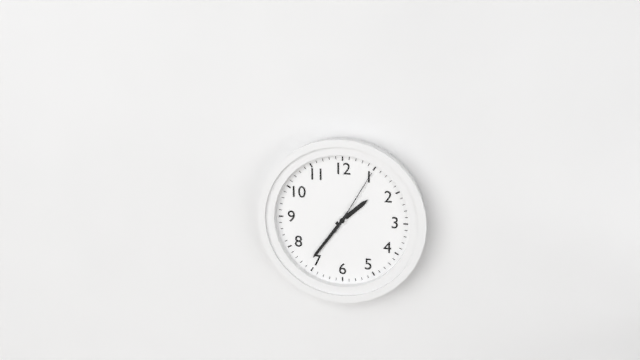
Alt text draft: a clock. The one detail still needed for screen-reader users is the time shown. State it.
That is 1:36:05
